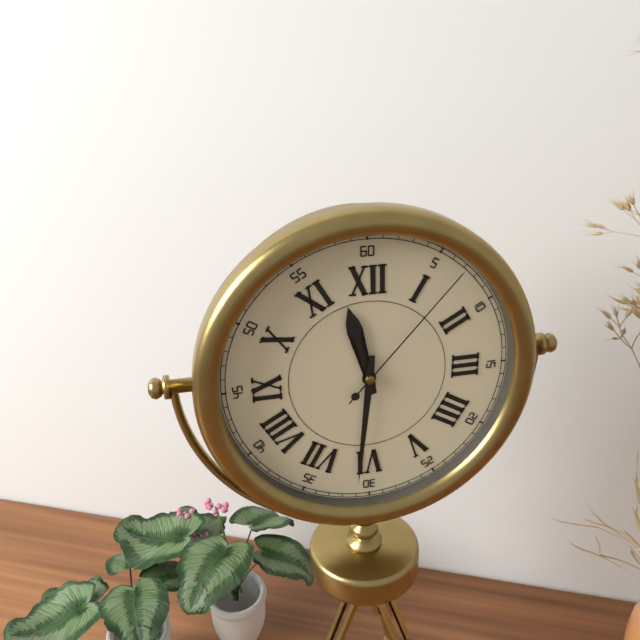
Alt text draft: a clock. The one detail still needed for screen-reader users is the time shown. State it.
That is 11:31:07
